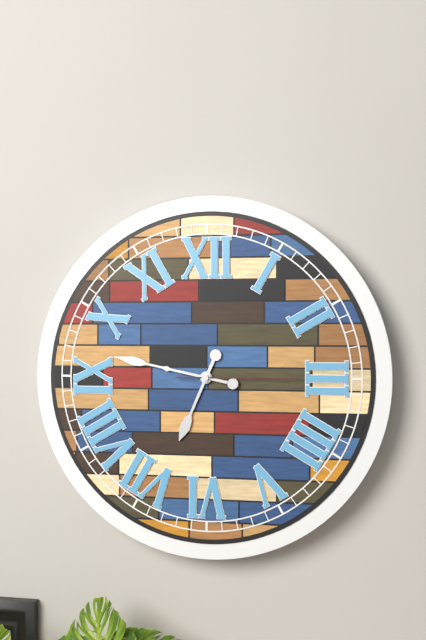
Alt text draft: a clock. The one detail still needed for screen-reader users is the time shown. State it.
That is 6:47:15
